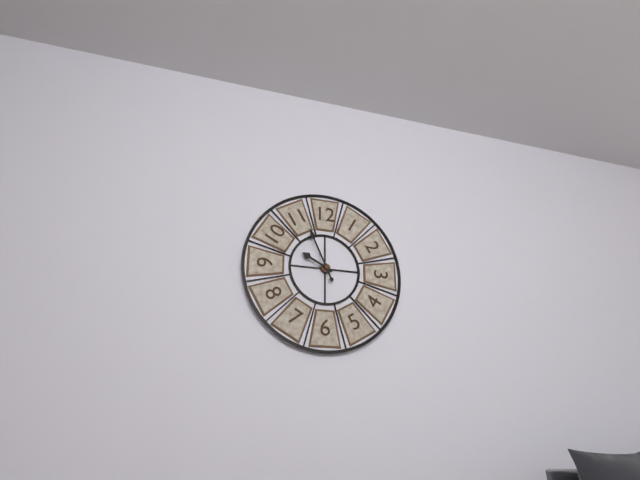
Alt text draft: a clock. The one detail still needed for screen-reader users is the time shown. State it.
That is 9:56
